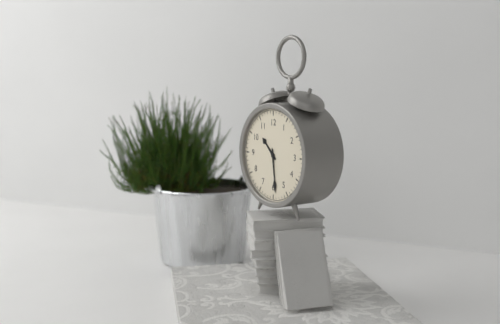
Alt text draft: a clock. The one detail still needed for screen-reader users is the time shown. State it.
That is 10:29
